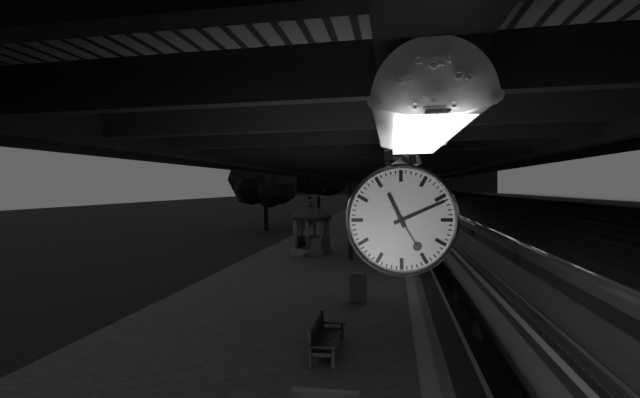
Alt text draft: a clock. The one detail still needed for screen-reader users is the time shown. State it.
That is 11:11
